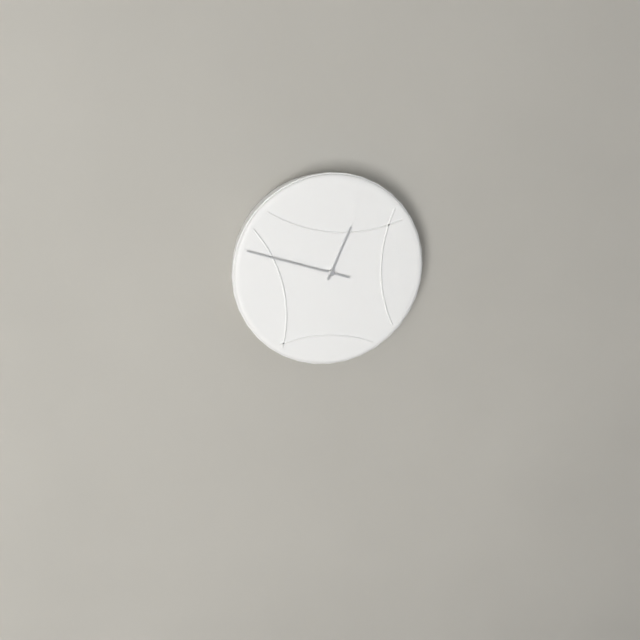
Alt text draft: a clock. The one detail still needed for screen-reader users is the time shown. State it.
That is 12:48
